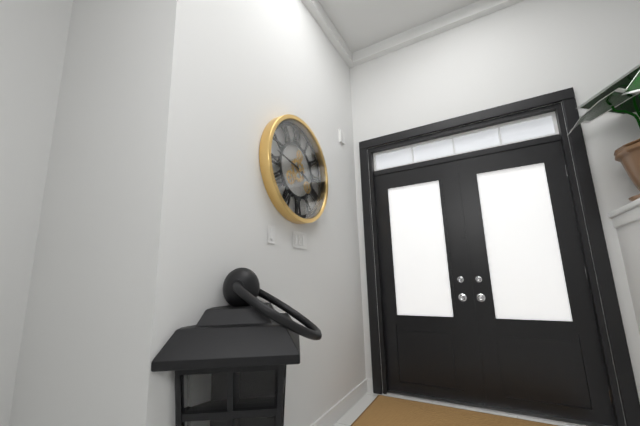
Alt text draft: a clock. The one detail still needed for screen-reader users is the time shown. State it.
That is 3:47
